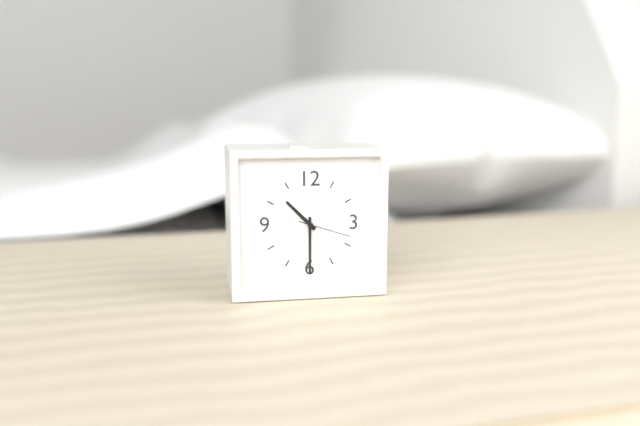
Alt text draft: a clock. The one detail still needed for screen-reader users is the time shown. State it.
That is 10:30:18
